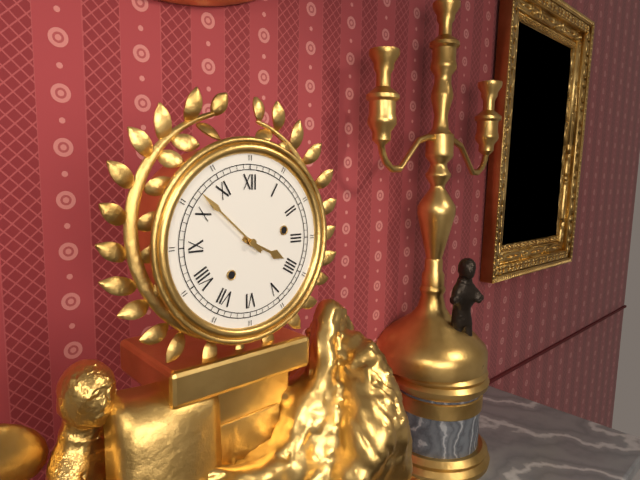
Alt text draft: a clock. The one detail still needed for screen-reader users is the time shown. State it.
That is 3:52
